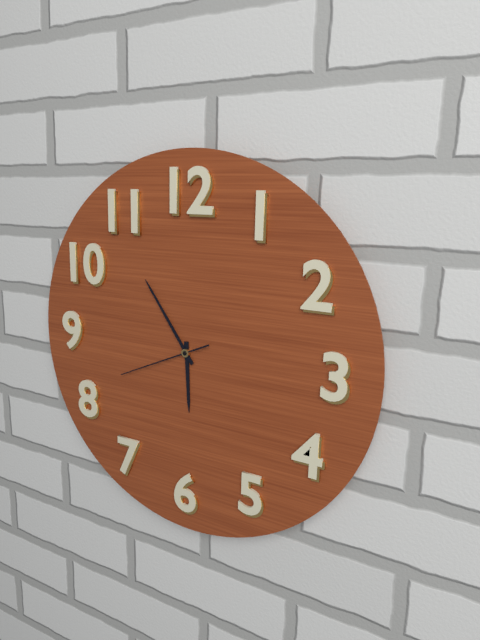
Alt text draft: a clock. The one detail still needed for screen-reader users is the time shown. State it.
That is 5:54:41
